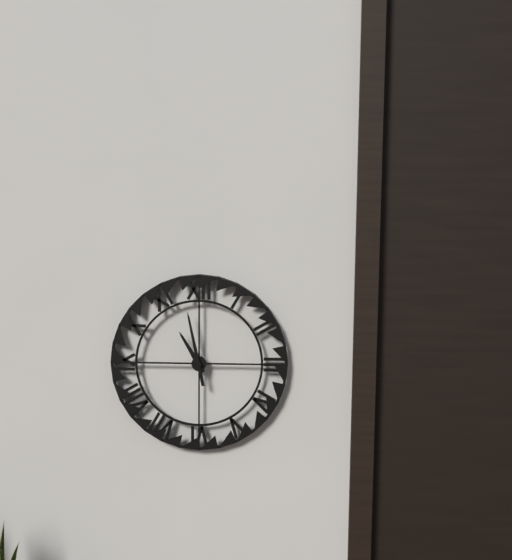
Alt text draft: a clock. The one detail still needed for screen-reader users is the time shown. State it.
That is 10:58
